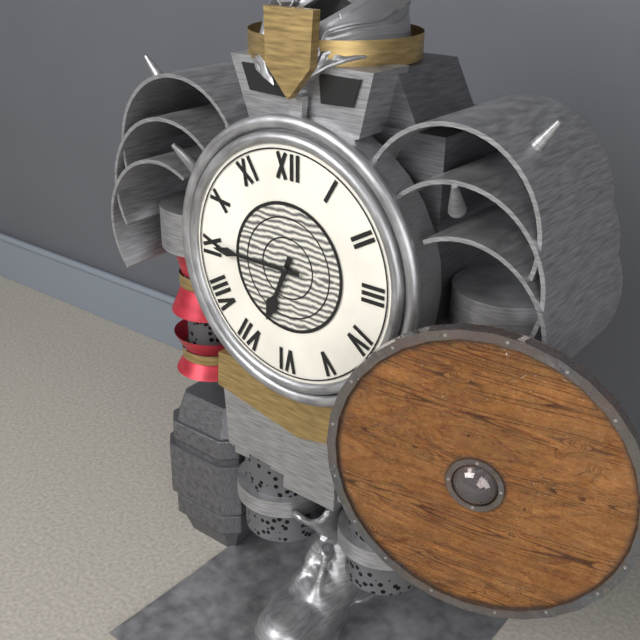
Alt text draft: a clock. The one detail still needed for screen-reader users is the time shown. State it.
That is 6:45
